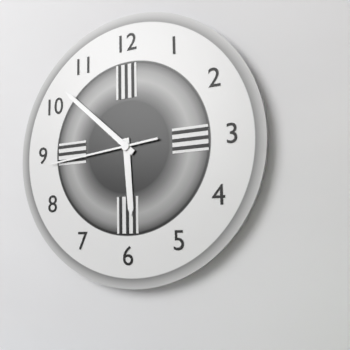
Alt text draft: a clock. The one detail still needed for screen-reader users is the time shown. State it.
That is 5:52:44
